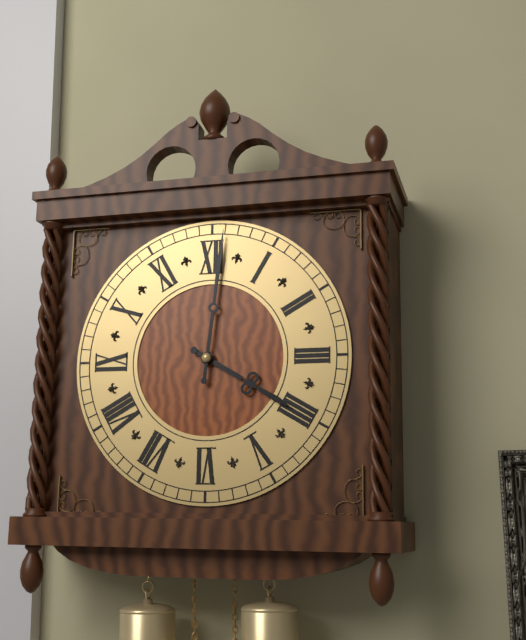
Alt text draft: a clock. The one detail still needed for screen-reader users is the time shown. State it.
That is 4:01
